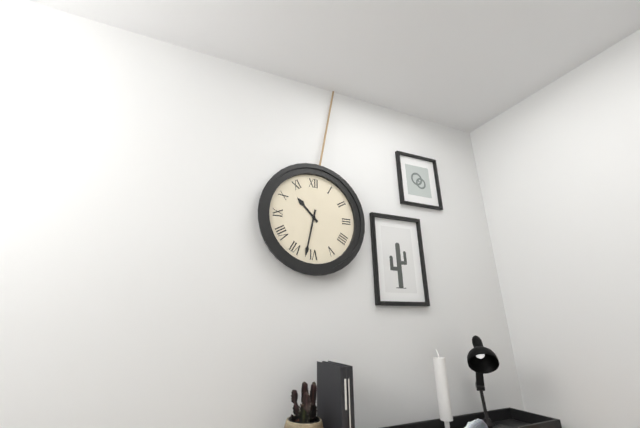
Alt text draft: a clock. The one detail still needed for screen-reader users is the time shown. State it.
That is 10:32
